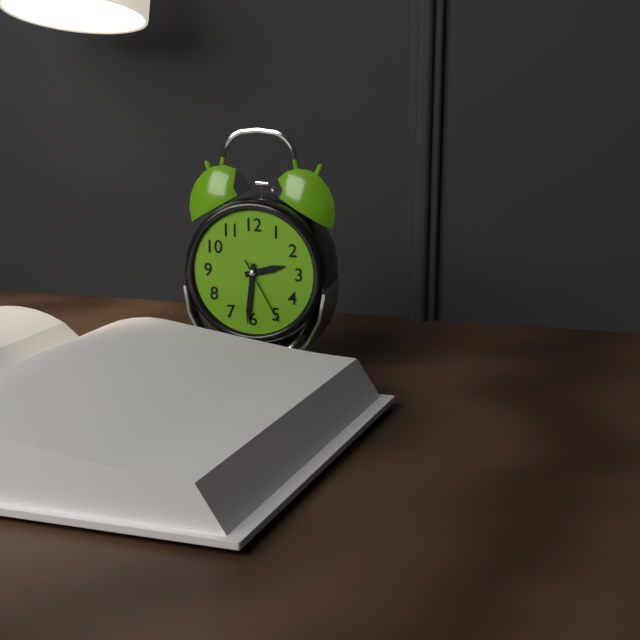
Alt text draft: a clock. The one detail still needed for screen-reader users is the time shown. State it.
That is 2:31:25
